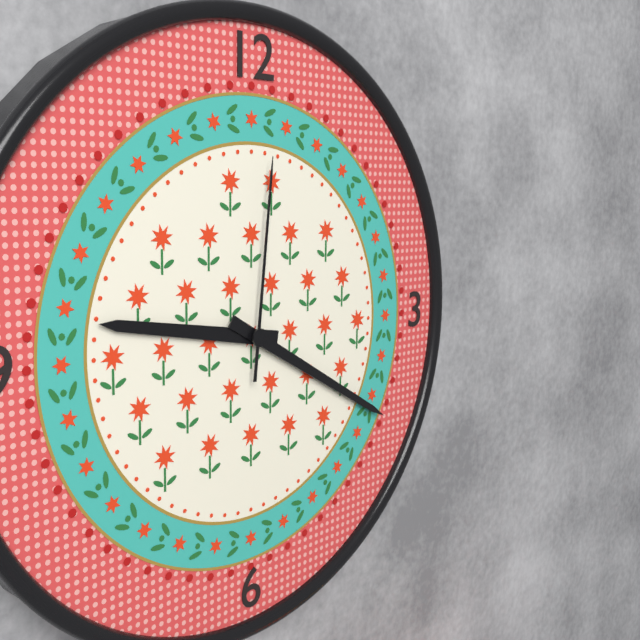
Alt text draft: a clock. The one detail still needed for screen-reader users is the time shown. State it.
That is 9:20:01
